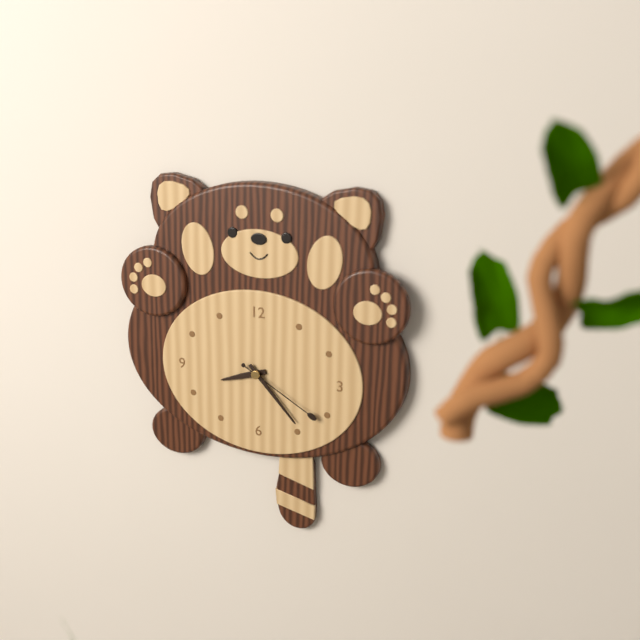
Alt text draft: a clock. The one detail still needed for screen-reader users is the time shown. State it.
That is 8:23:20
